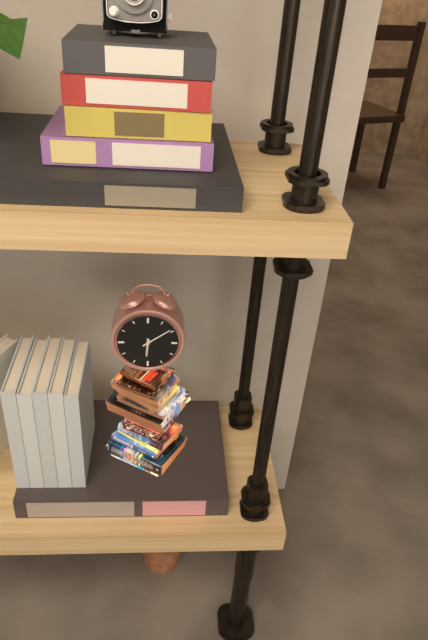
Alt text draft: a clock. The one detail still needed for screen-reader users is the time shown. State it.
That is 6:09
